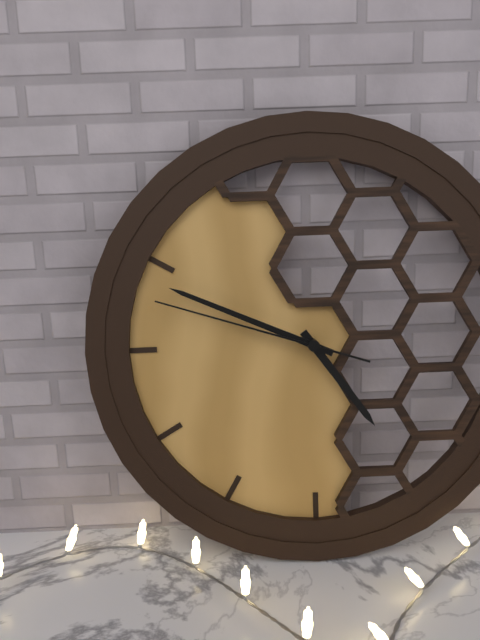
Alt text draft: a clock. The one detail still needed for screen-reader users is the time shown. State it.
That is 4:49:48
